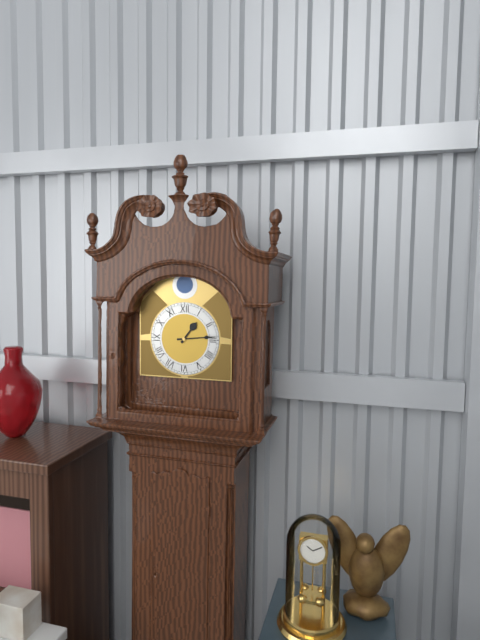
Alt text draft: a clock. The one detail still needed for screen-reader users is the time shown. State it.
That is 1:14
